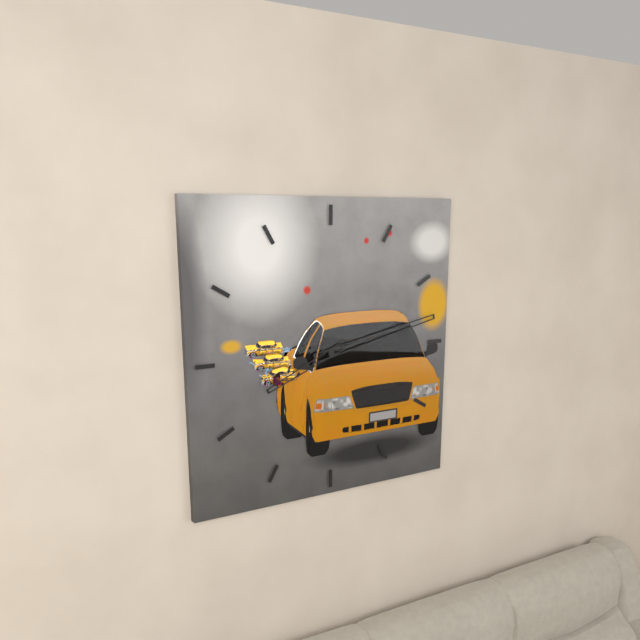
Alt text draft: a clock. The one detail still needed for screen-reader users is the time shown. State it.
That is 8:13
